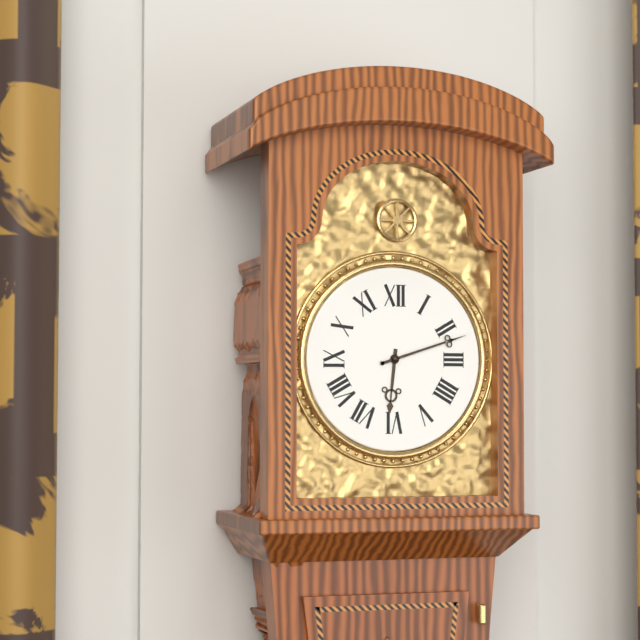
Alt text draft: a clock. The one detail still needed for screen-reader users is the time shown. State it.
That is 6:12
